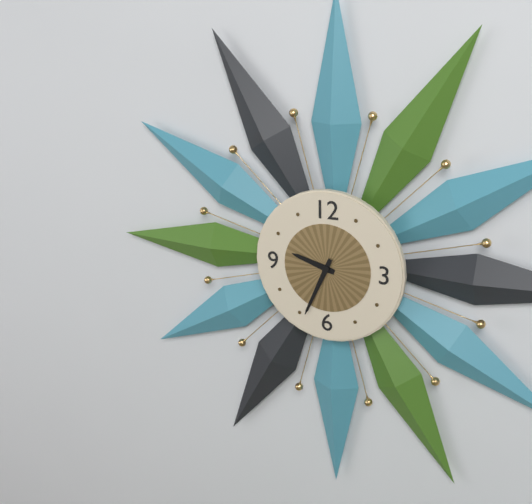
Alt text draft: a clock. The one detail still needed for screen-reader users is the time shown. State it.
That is 9:34
